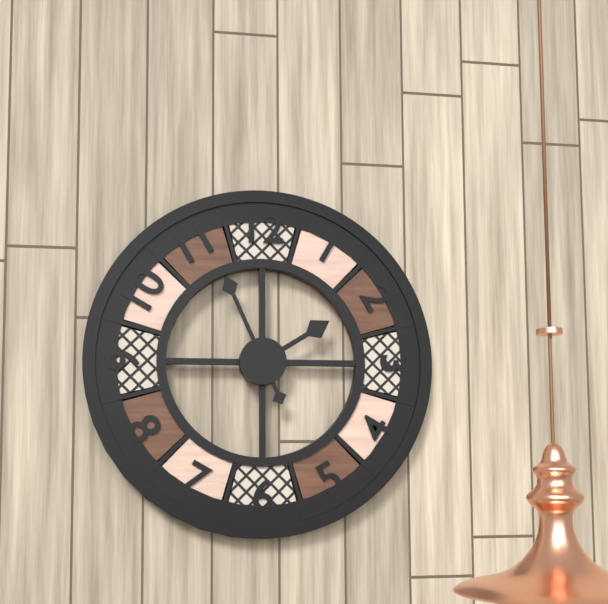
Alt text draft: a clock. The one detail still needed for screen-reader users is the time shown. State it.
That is 1:56
